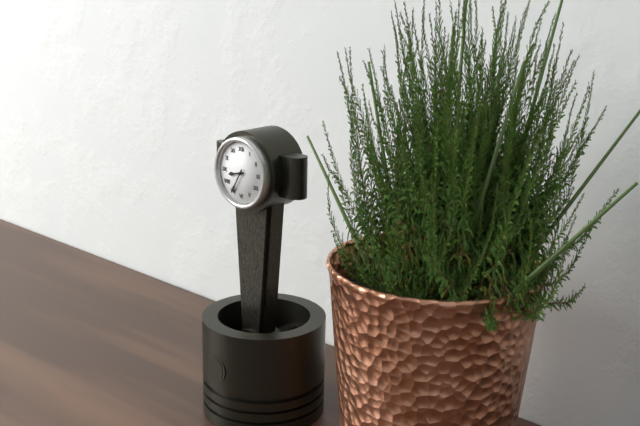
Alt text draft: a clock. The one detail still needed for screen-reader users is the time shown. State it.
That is 8:35
